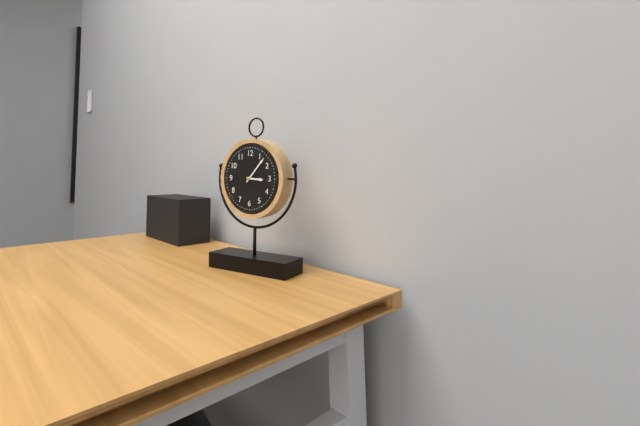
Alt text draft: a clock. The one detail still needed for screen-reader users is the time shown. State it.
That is 3:07
